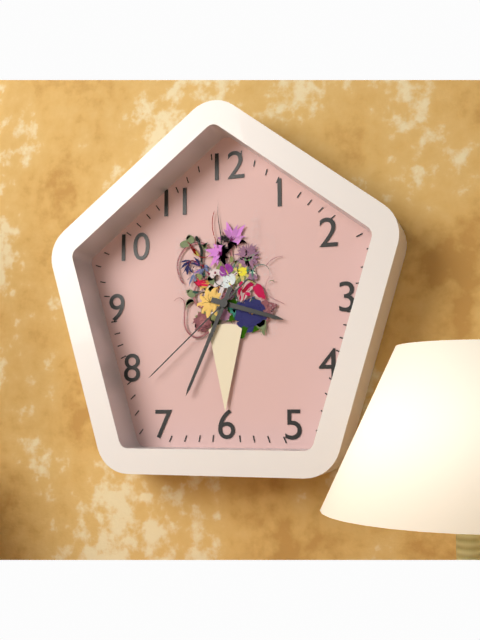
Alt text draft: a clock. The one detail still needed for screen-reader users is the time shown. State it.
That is 3:34:38
